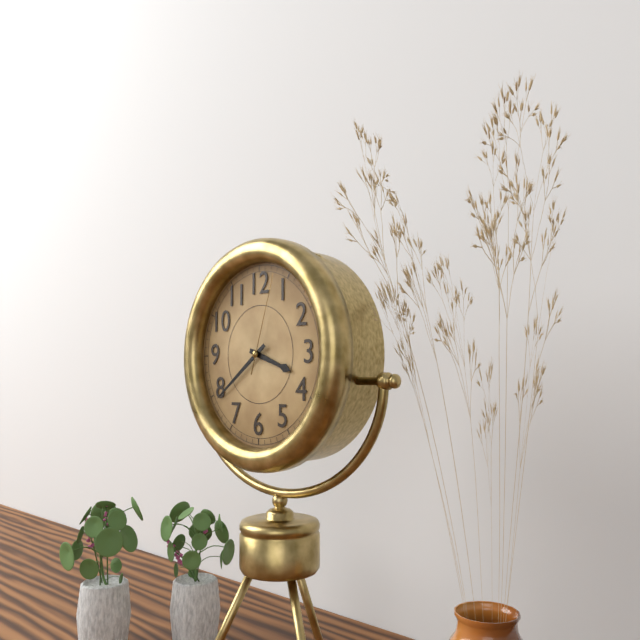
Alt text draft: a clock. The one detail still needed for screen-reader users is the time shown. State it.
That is 3:39:03
